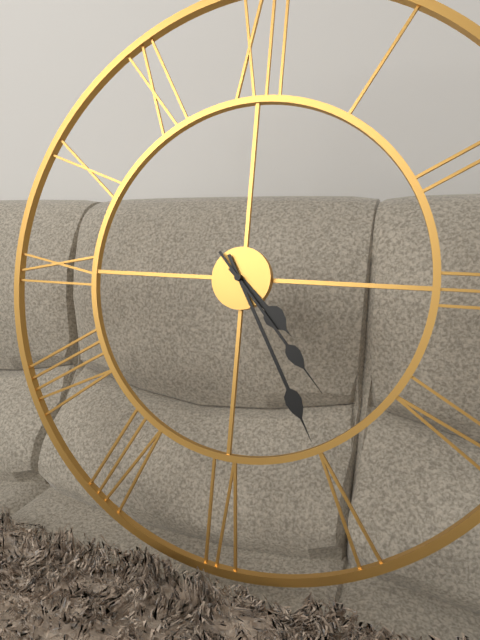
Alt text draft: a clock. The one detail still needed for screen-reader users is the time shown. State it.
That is 4:25:23
